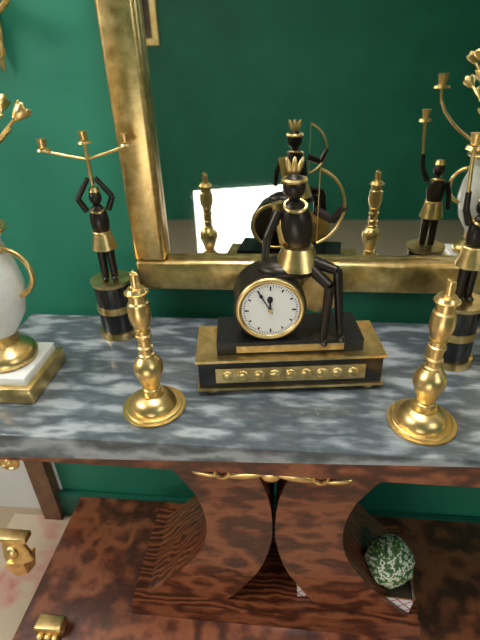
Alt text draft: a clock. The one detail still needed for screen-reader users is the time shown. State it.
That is 11:55
